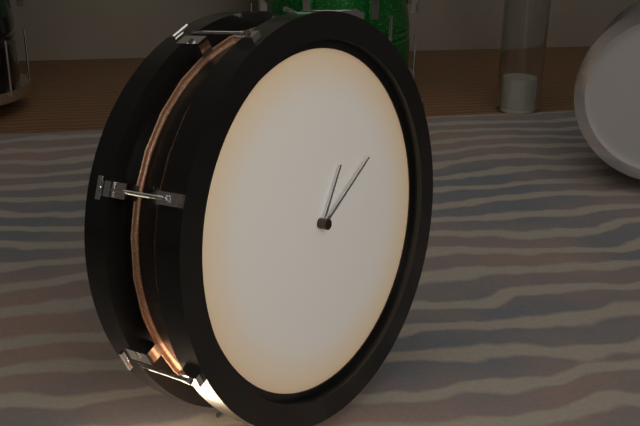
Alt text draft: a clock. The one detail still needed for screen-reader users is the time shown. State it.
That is 1:10
